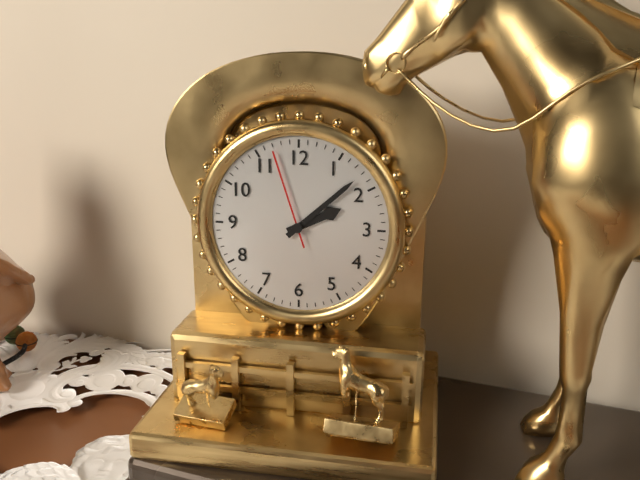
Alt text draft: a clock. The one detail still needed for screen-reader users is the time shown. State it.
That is 2:08:57
